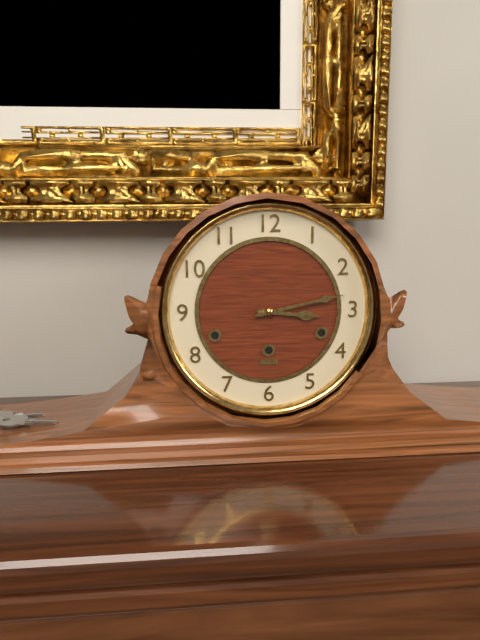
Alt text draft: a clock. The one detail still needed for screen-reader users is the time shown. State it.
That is 3:13
